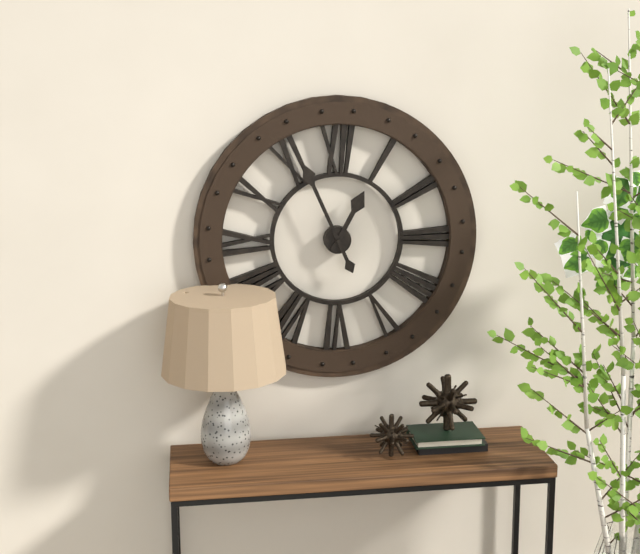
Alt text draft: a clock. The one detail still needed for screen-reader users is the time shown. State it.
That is 12:56
